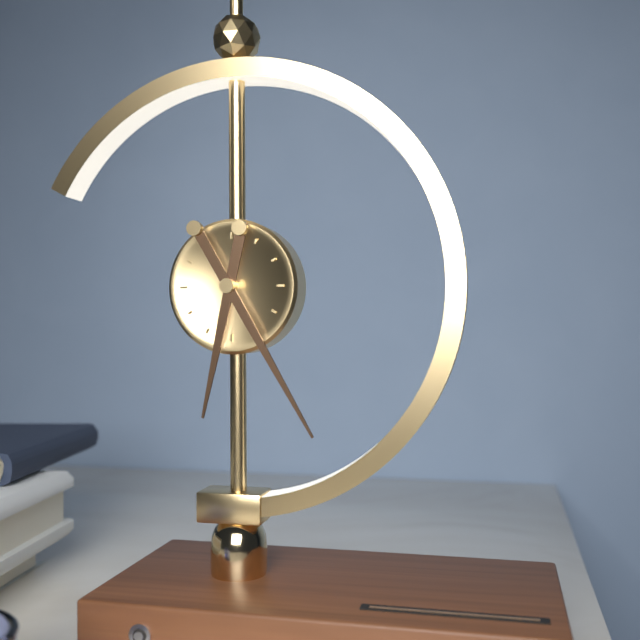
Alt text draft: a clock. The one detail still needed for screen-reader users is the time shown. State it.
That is 6:25
